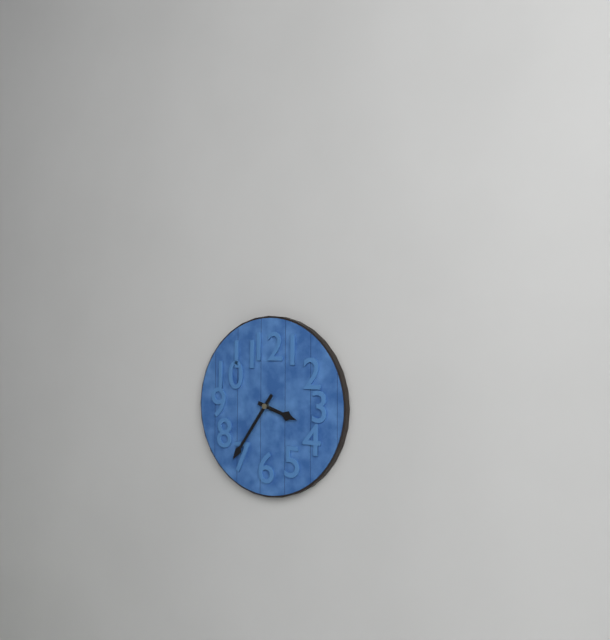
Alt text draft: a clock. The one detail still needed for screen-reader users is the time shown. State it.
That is 3:36
